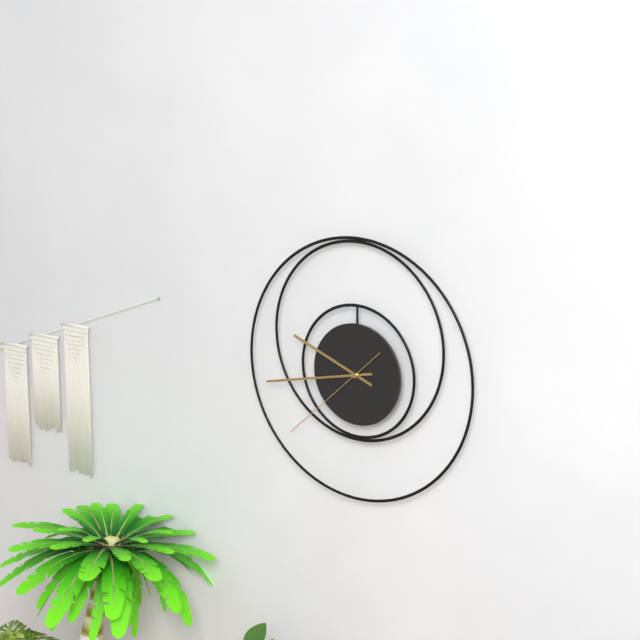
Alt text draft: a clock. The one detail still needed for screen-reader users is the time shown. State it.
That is 9:43:38
